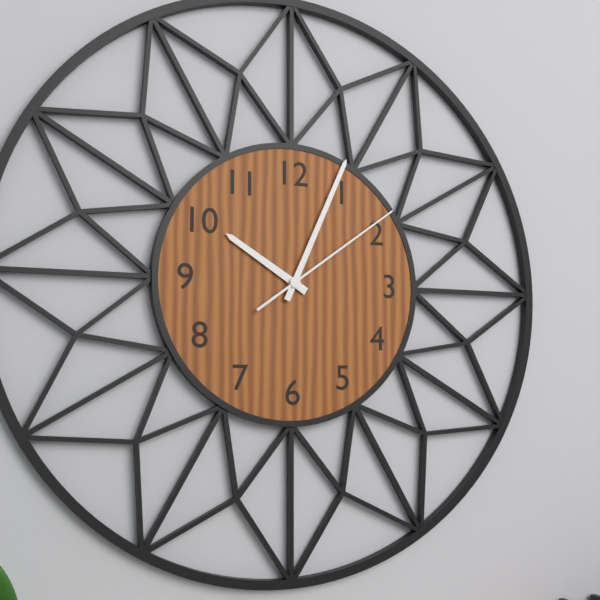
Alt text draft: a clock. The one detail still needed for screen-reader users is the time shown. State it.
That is 10:04:09
